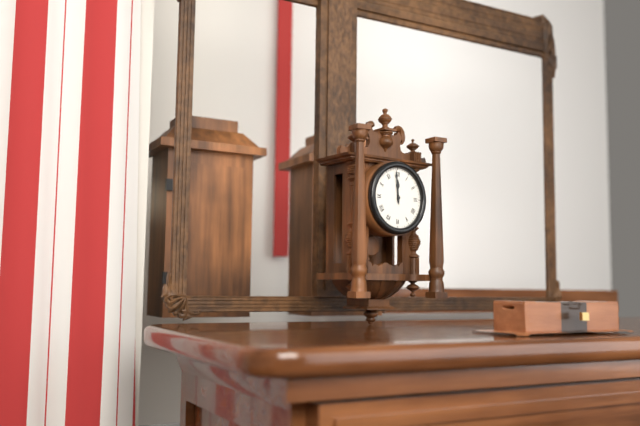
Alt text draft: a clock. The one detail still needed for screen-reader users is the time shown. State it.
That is 11:59
